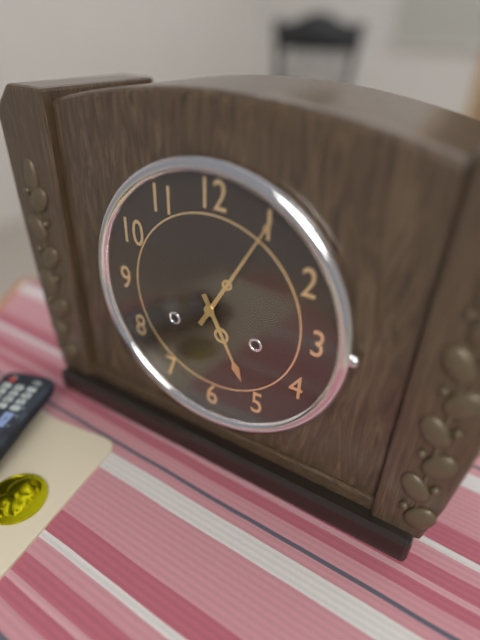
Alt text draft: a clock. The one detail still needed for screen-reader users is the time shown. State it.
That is 5:05
